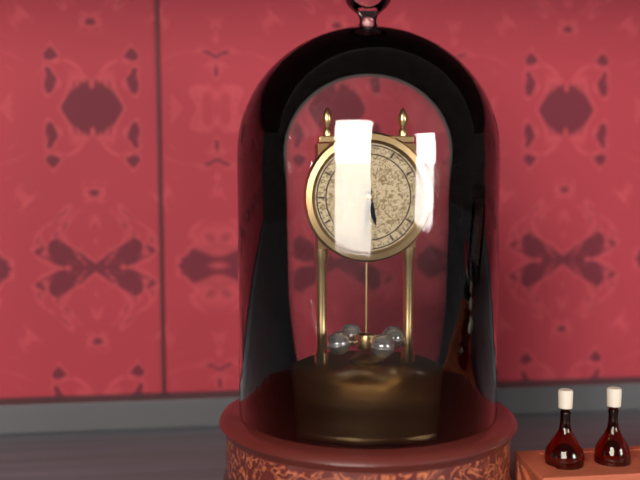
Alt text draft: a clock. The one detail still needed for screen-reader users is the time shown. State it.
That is 5:31
